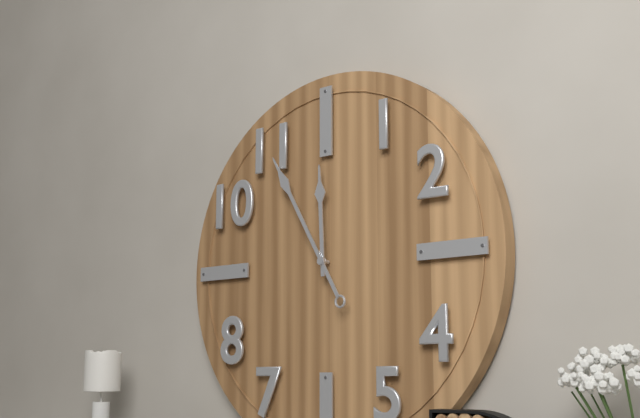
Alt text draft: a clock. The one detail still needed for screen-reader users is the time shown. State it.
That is 11:55
